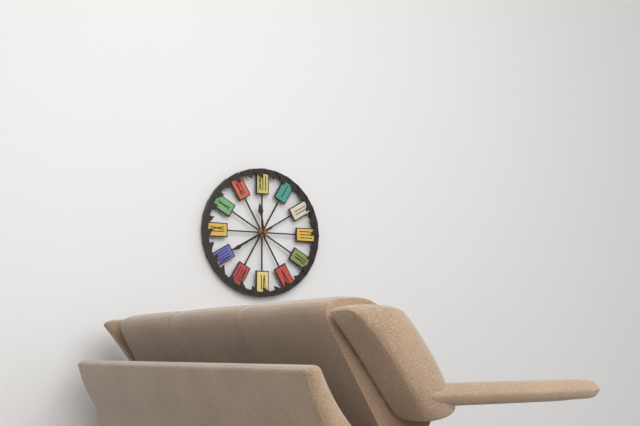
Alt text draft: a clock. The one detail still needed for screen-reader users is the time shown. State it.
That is 11:40
